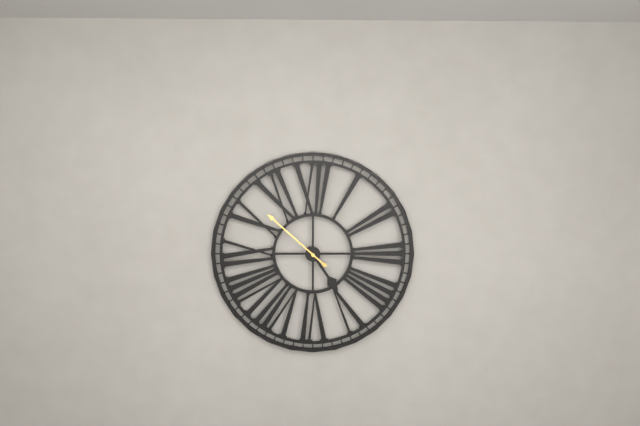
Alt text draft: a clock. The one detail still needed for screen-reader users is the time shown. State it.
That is 4:52
